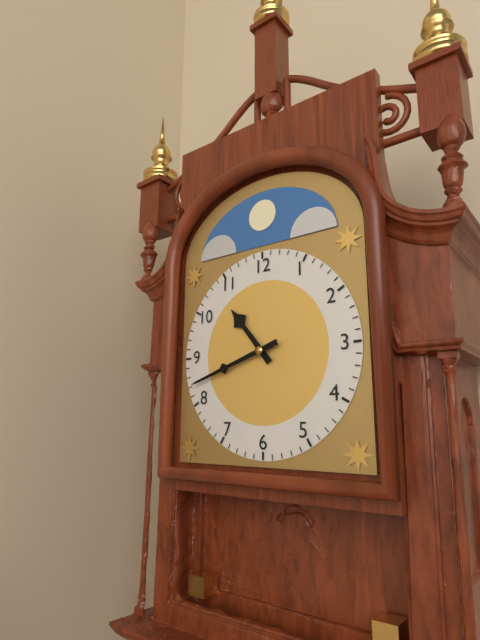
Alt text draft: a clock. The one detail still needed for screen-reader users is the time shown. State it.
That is 10:42
